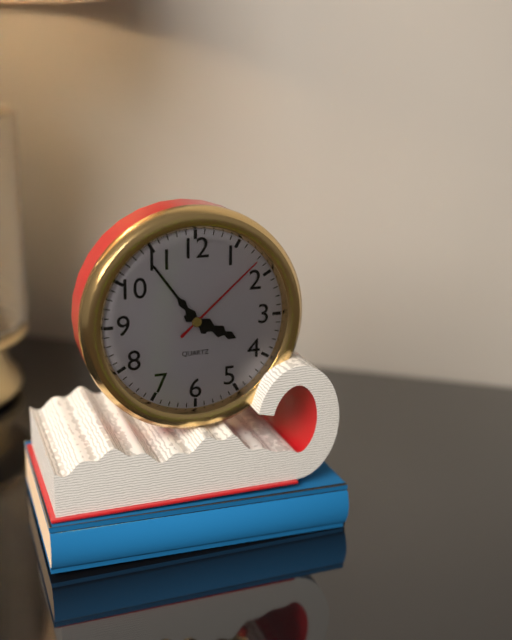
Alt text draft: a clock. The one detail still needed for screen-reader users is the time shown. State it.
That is 3:54:08
